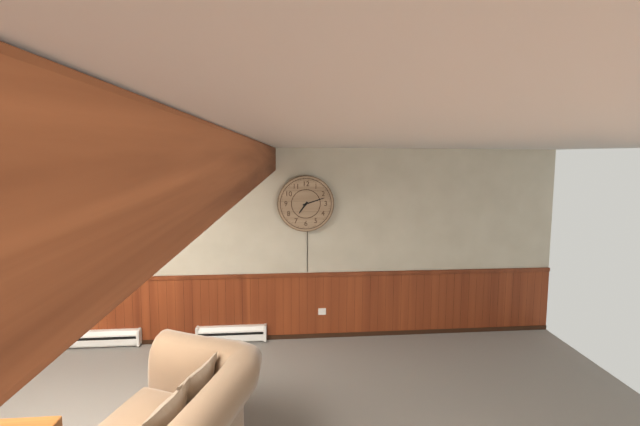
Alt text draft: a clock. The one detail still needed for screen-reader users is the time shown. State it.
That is 7:12
